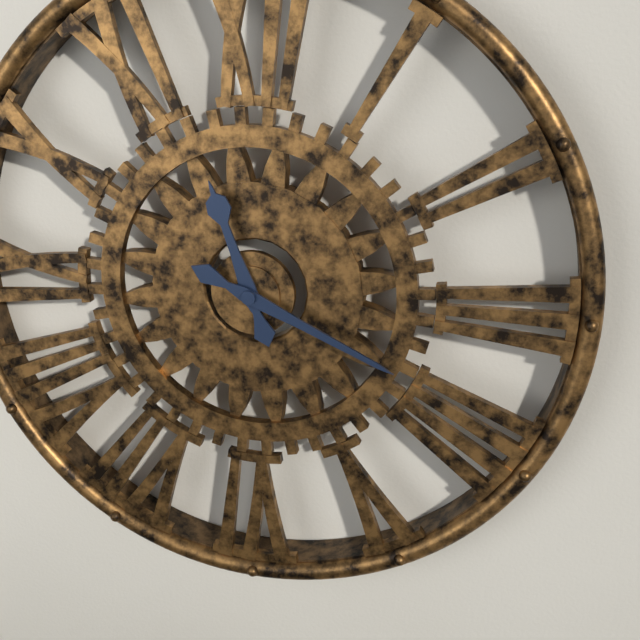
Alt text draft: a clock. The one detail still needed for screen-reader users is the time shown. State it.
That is 11:19
